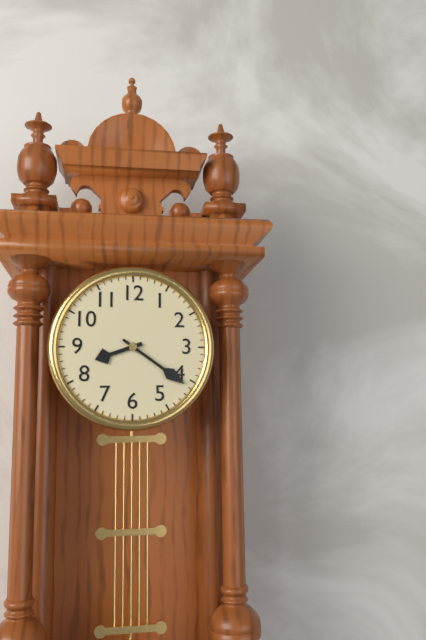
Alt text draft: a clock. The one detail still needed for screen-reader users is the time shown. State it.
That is 8:21
